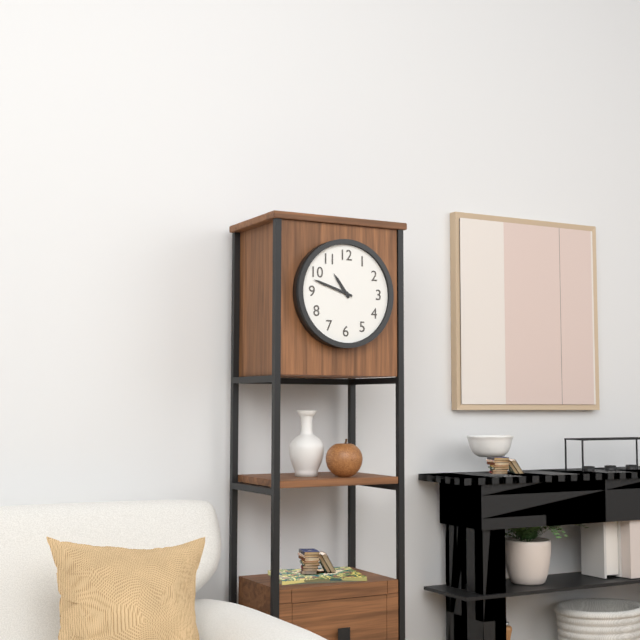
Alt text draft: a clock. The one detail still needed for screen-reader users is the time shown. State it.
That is 10:48
